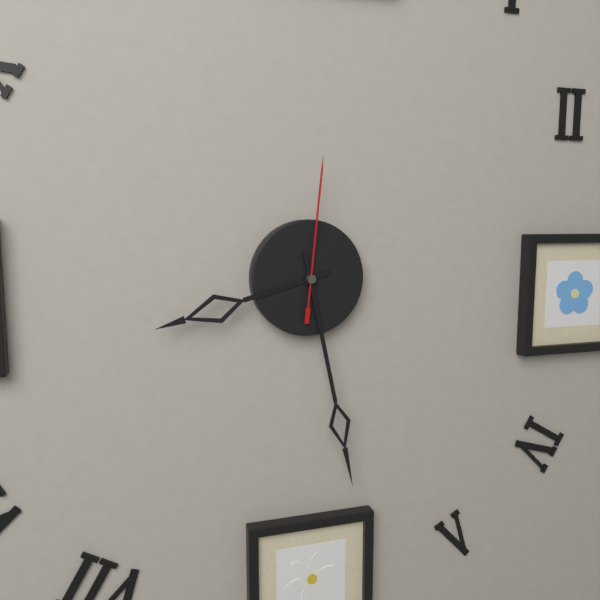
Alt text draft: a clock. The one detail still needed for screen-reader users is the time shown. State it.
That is 8:28:01
